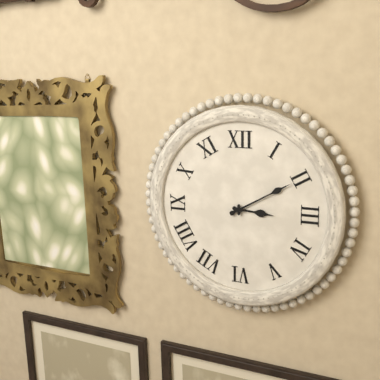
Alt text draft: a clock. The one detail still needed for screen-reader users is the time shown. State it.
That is 3:10
